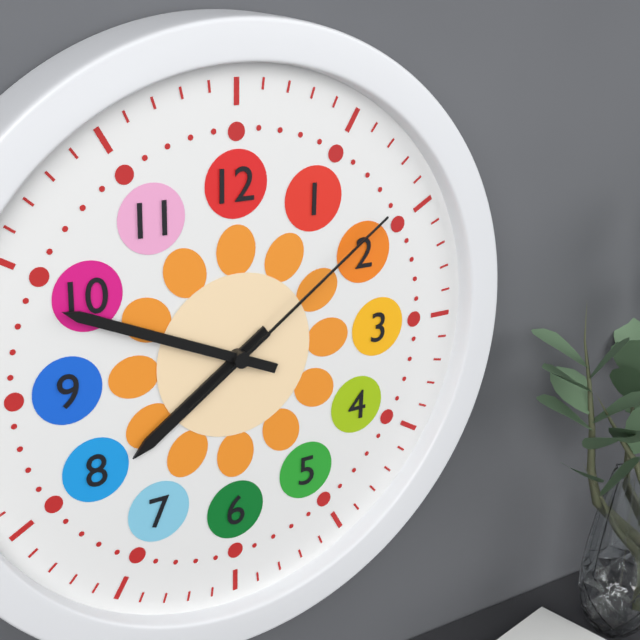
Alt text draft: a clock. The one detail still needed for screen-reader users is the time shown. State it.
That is 7:49:09
